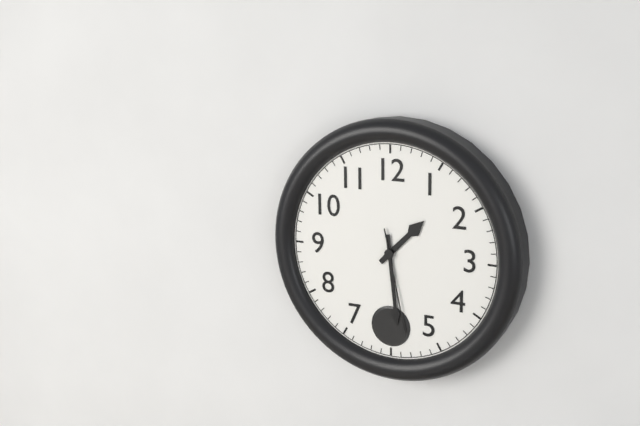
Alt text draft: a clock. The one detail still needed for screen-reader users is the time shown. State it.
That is 1:29:28
